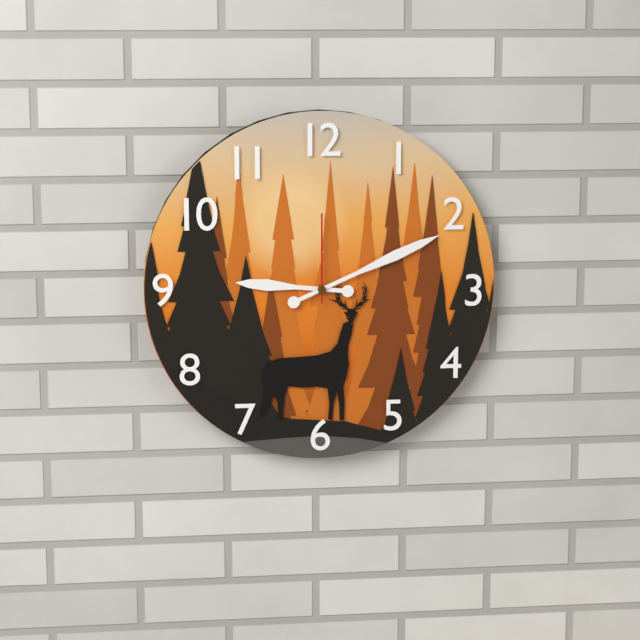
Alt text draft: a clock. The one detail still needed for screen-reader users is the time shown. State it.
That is 9:11:00
